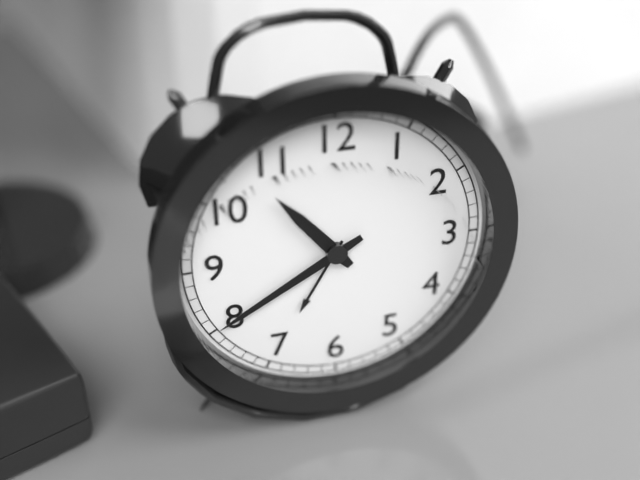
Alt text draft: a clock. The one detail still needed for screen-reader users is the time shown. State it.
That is 10:40
